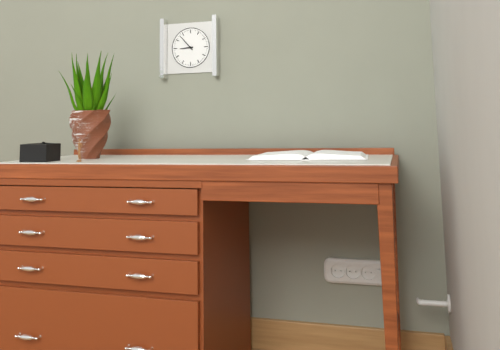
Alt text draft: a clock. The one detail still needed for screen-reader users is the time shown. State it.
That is 8:53
